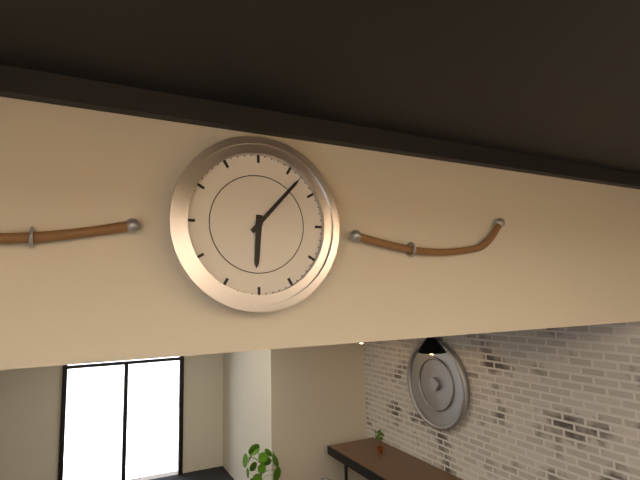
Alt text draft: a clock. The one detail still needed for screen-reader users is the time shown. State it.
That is 6:07
